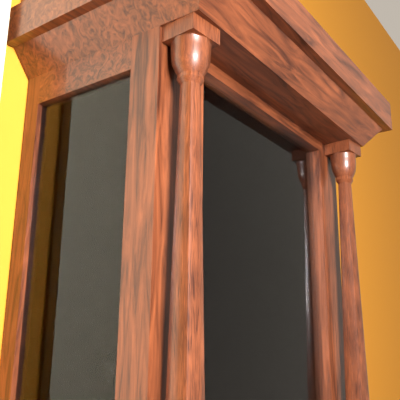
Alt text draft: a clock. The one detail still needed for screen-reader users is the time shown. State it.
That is 12:16
